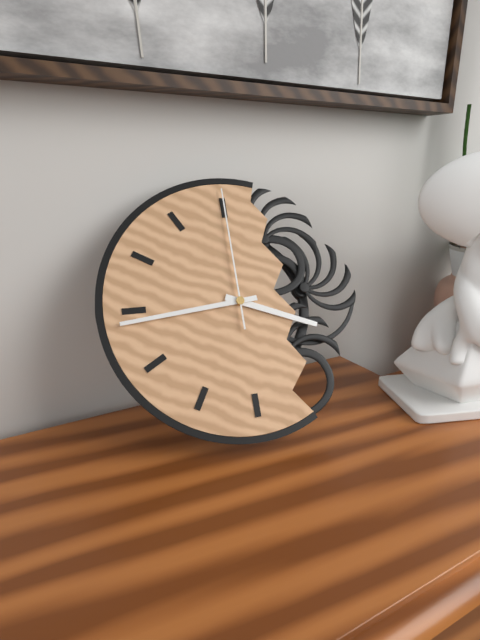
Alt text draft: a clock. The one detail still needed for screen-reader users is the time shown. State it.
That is 3:44:00
